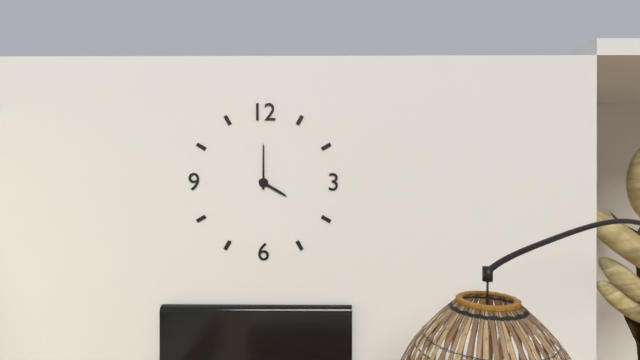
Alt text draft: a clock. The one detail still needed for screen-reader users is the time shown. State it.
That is 4:00
